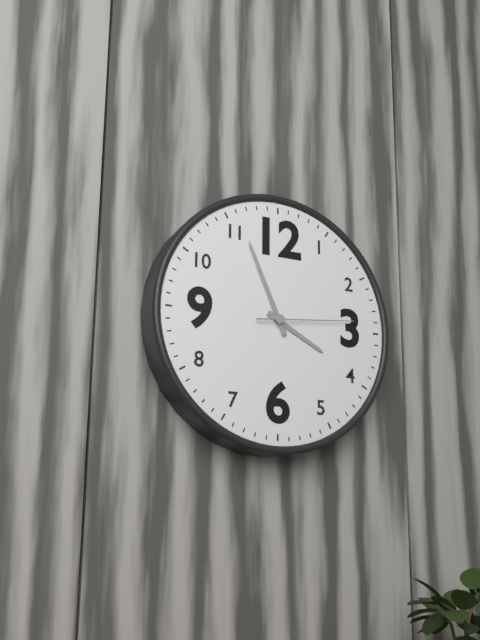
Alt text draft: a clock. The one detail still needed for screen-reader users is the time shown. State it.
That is 3:56:14
